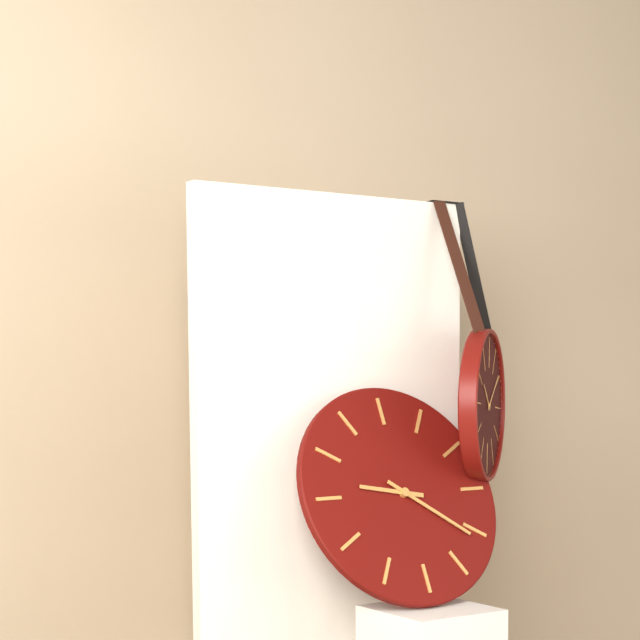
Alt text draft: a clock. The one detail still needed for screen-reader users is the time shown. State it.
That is 9:21
